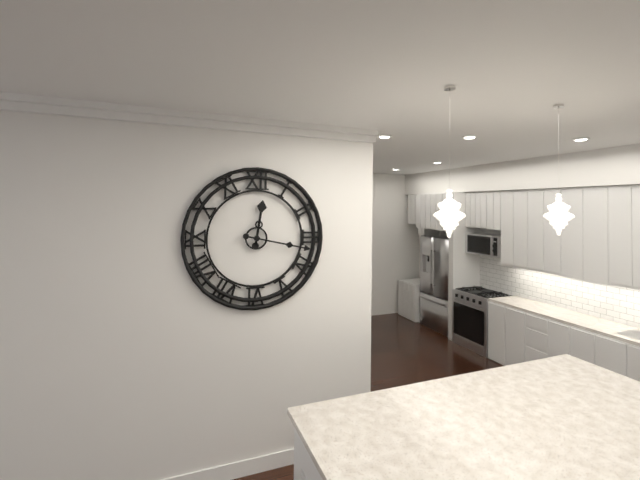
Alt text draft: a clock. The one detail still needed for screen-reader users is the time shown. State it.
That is 12:17
